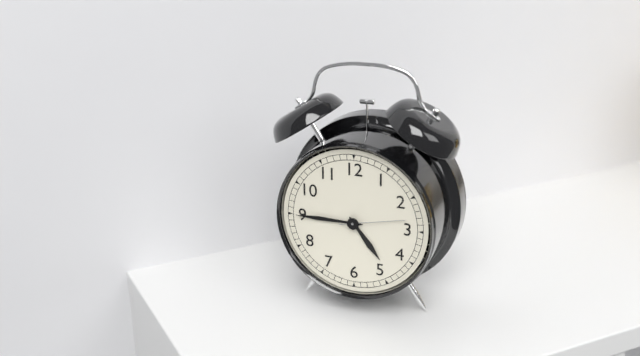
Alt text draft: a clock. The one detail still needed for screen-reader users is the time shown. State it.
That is 4:45:13
